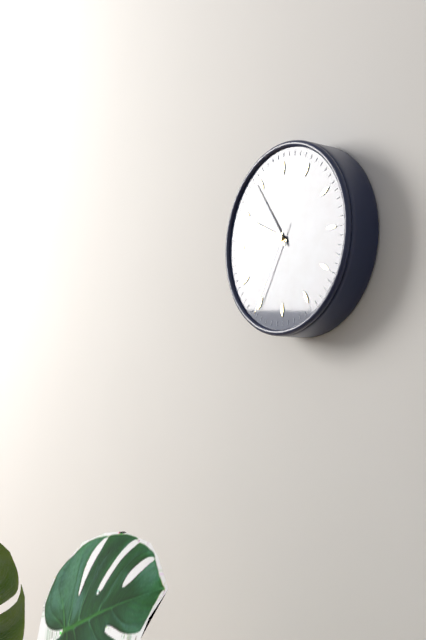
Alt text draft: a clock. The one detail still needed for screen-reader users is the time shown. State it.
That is 9:54:35
